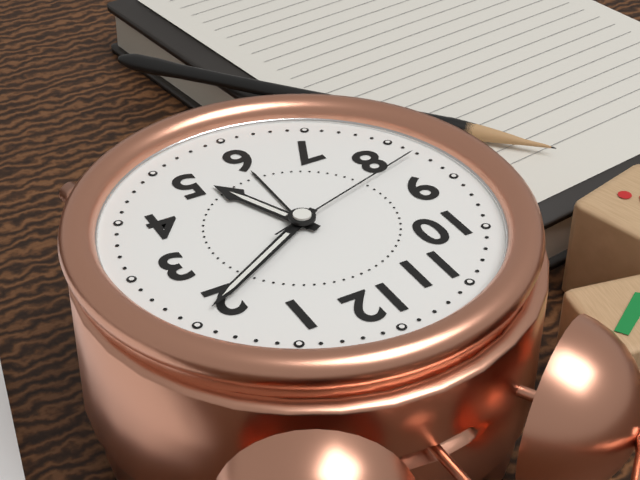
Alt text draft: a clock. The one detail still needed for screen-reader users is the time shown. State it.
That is 5:10:42
